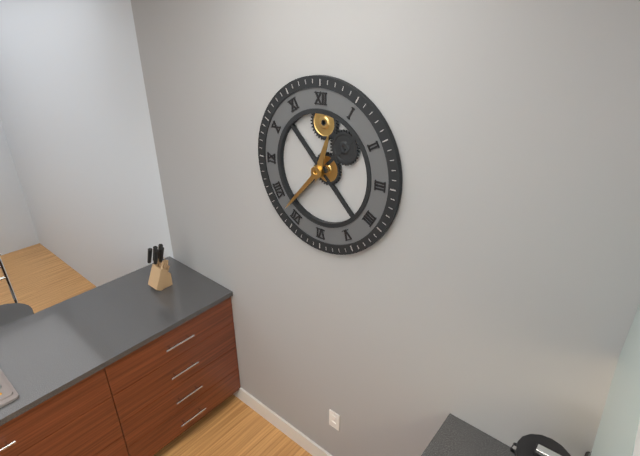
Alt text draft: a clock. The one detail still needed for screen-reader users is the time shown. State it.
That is 12:37
